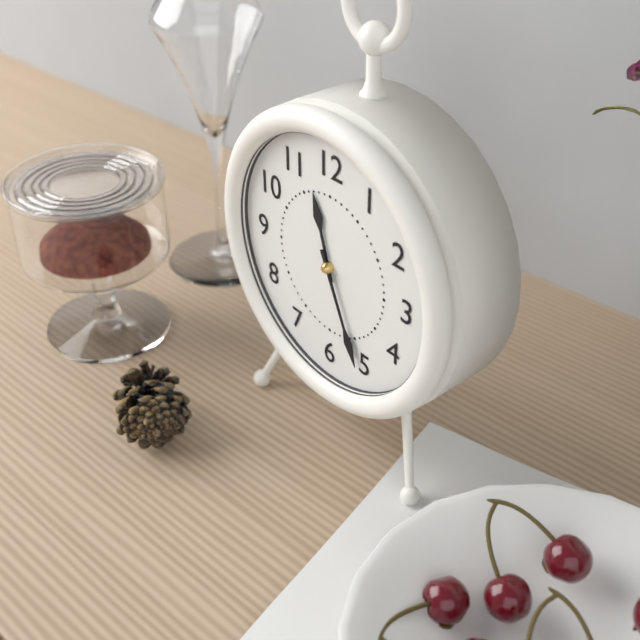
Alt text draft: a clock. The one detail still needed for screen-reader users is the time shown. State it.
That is 11:26
